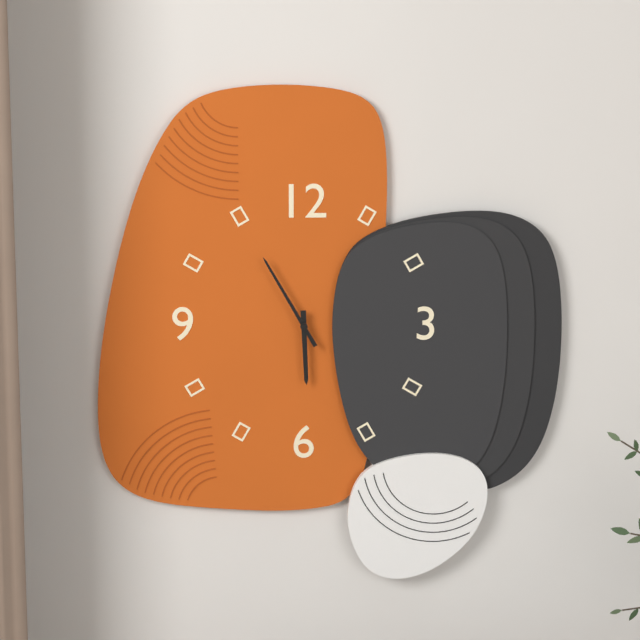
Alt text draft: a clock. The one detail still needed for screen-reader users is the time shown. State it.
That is 5:55
